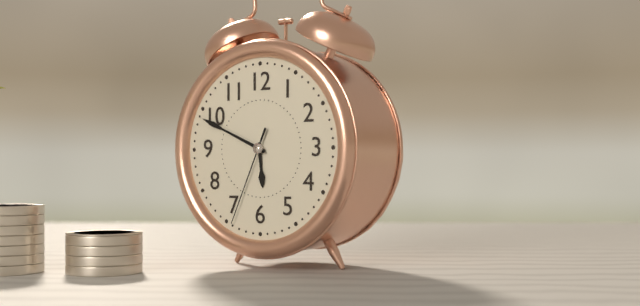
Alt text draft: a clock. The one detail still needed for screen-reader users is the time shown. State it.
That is 5:49:34
